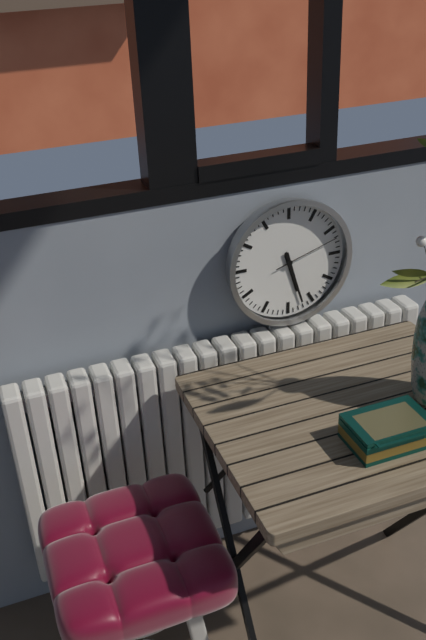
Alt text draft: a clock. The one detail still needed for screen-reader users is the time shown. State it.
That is 5:27:12
